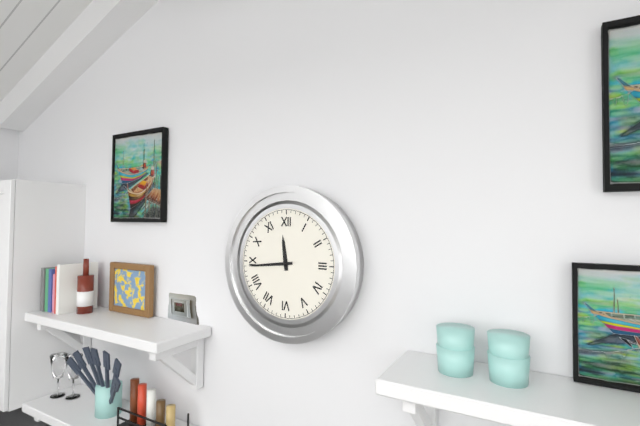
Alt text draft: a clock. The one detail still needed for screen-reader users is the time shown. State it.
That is 11:44
